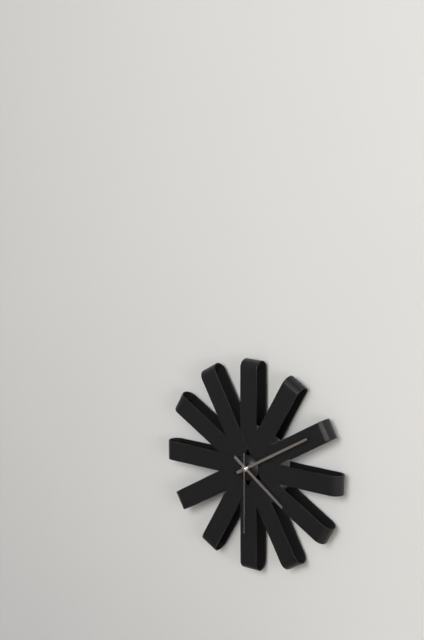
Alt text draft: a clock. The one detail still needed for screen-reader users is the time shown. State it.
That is 4:10:30
